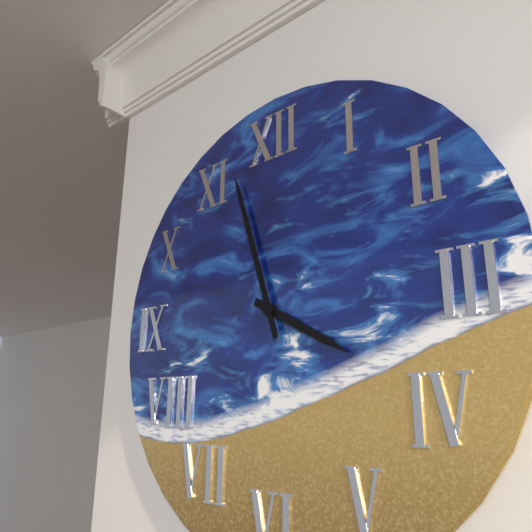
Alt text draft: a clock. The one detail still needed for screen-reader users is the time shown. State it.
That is 3:57
